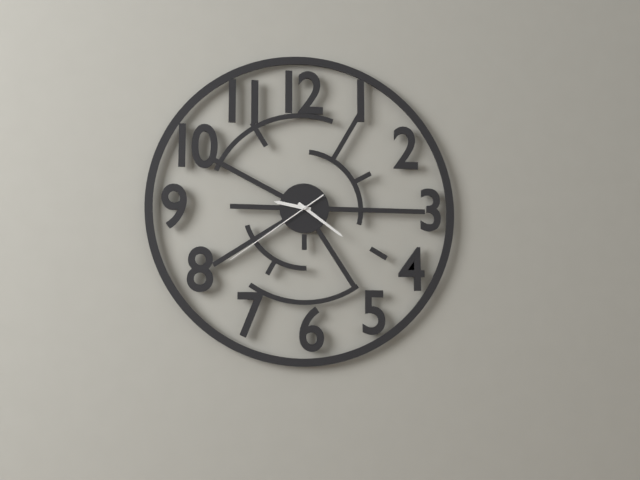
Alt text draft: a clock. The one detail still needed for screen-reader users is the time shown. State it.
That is 9:21:39
